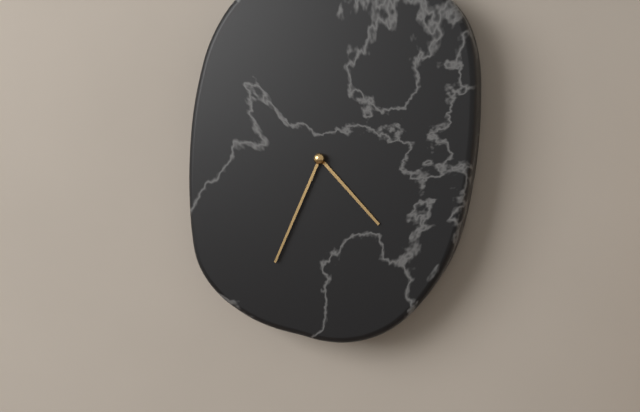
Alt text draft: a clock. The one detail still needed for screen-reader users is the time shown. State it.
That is 4:34
